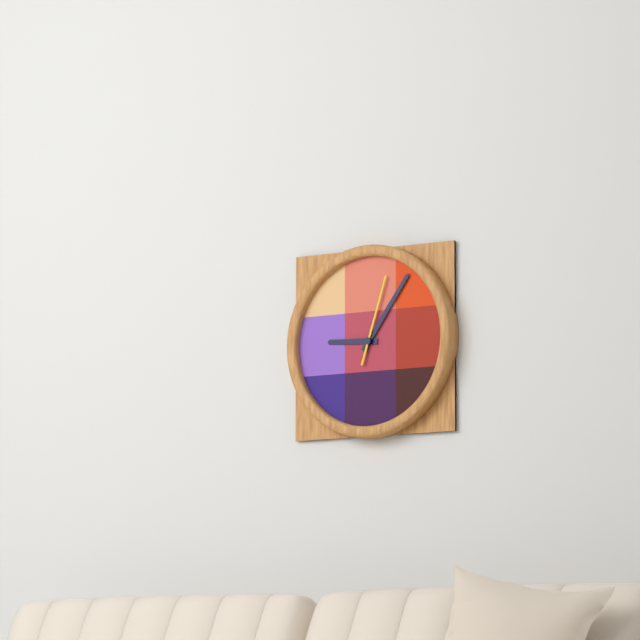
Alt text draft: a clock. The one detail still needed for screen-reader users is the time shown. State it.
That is 9:06:03
